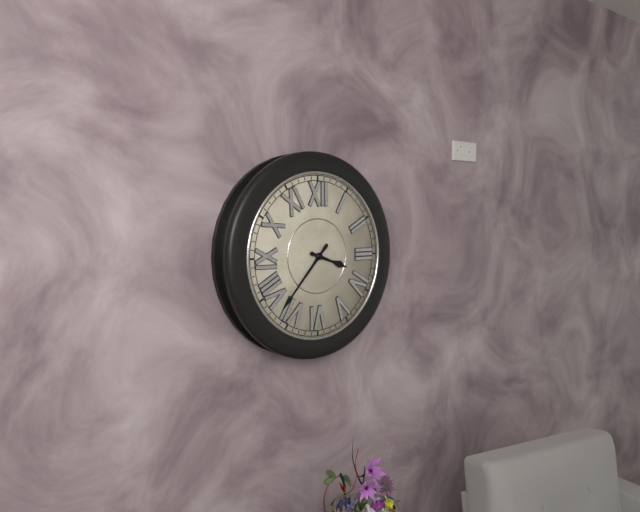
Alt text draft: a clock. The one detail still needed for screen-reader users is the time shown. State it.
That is 3:37
